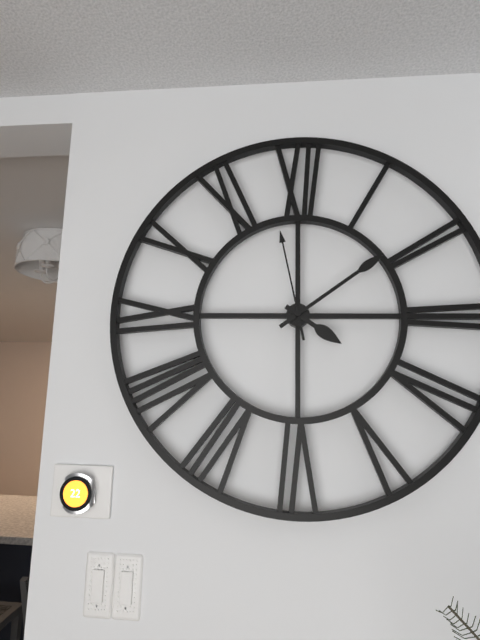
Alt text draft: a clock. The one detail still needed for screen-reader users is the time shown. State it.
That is 4:09:58
